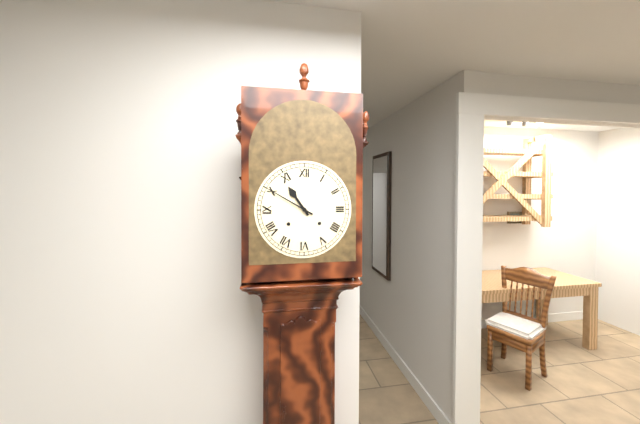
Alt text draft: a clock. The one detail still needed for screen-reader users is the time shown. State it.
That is 10:50
